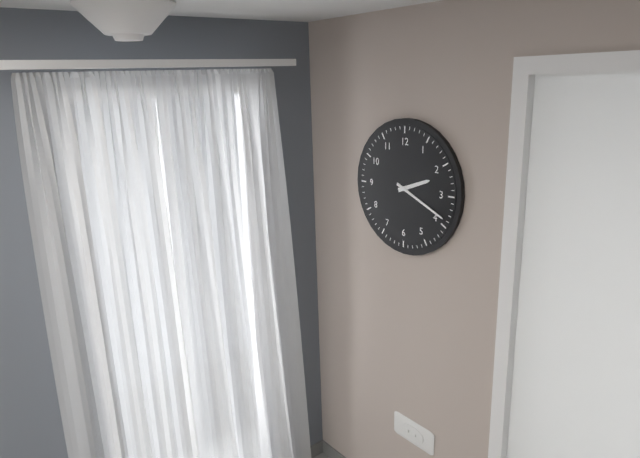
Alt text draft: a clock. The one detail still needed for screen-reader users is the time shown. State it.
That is 2:19
